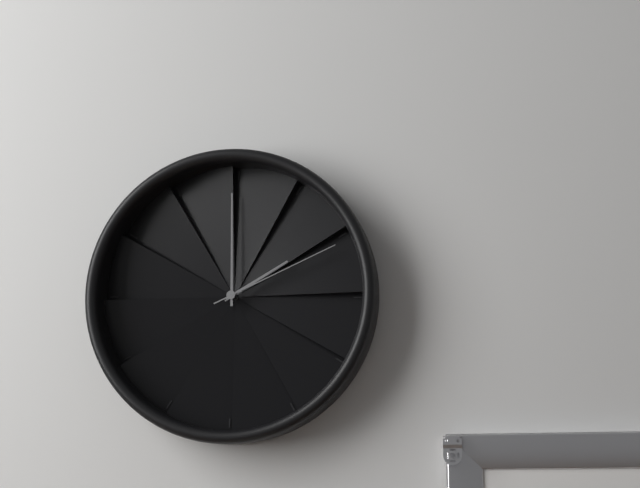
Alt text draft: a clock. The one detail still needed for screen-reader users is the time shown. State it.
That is 2:00:11
